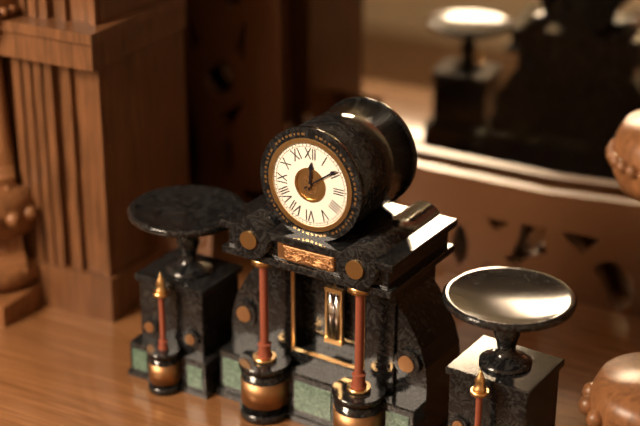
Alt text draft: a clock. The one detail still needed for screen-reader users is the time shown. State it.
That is 12:09
